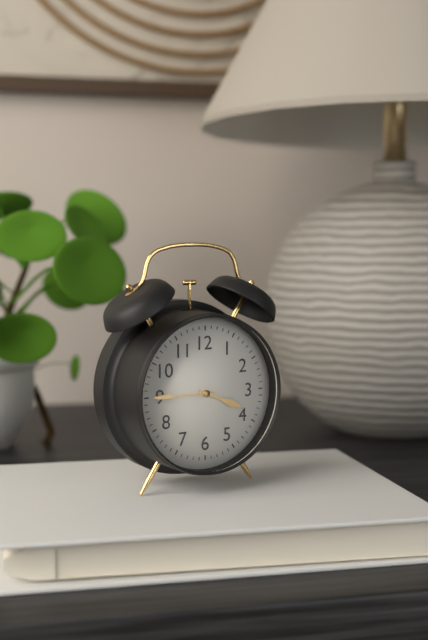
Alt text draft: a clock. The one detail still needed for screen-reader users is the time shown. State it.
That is 3:45
